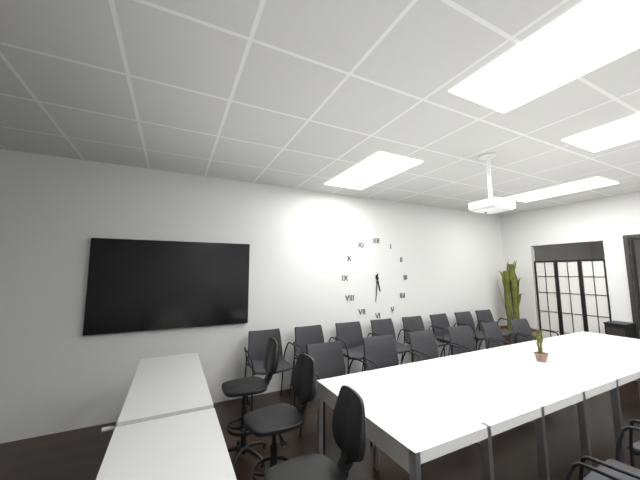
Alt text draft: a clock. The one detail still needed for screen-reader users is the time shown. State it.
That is 5:31
